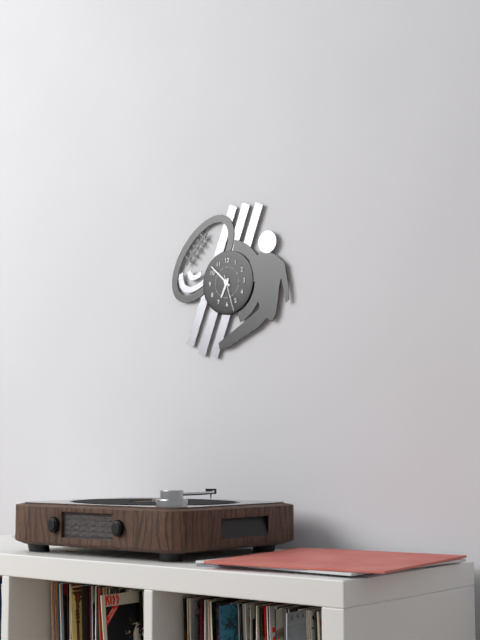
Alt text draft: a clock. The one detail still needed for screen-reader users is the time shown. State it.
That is 6:52
